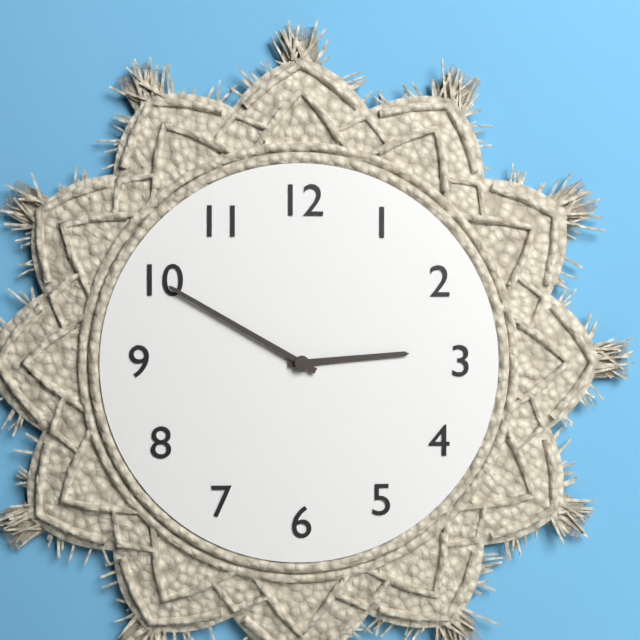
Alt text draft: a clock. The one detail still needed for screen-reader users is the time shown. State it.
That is 2:50
